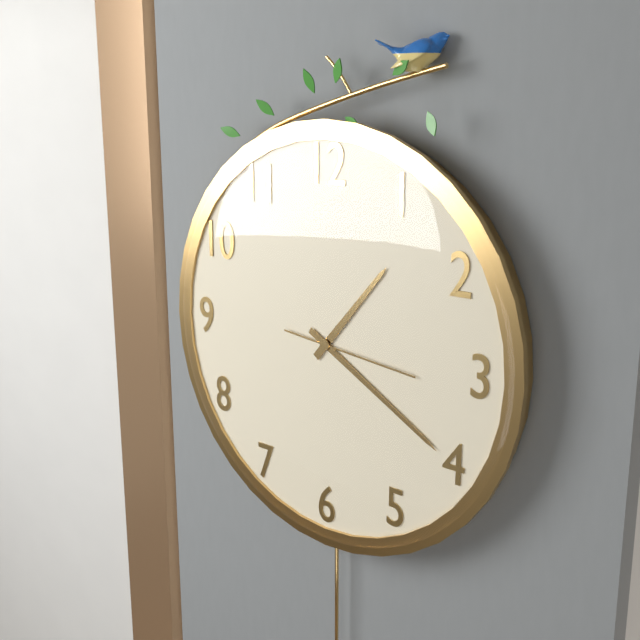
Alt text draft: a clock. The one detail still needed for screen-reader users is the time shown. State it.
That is 1:20:16
